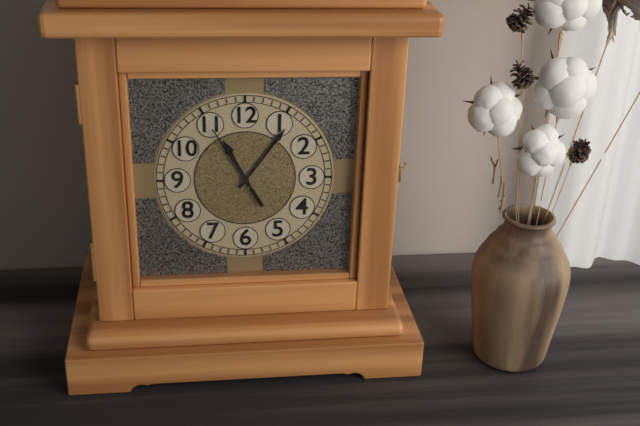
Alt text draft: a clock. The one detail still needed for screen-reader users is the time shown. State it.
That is 11:06:55
